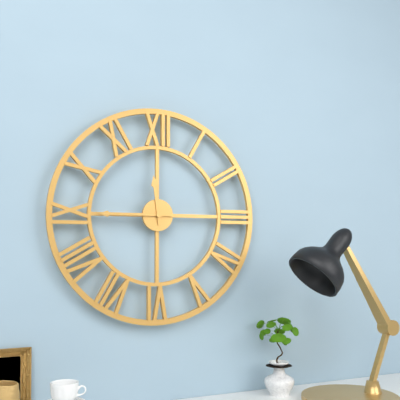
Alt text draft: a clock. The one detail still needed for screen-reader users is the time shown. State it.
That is 11:45
